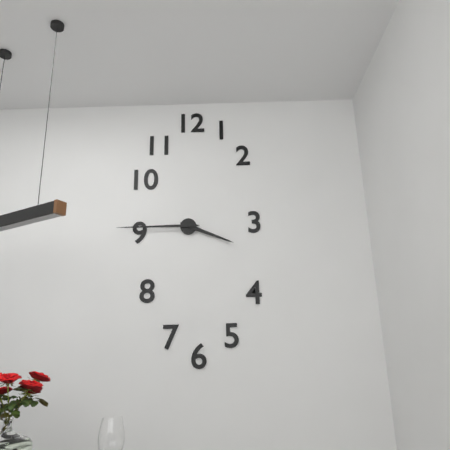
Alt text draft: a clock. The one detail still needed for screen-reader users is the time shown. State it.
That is 3:45
